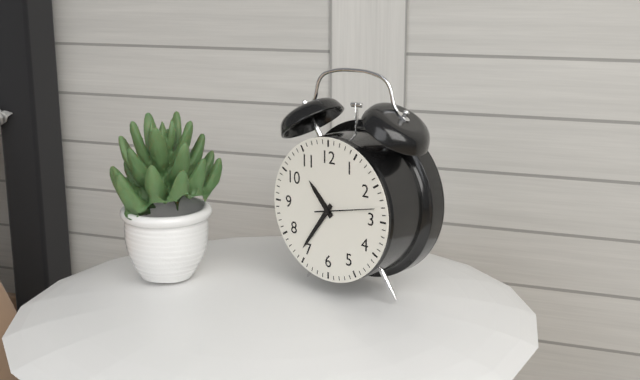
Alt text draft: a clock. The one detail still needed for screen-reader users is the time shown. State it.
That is 10:36:13
